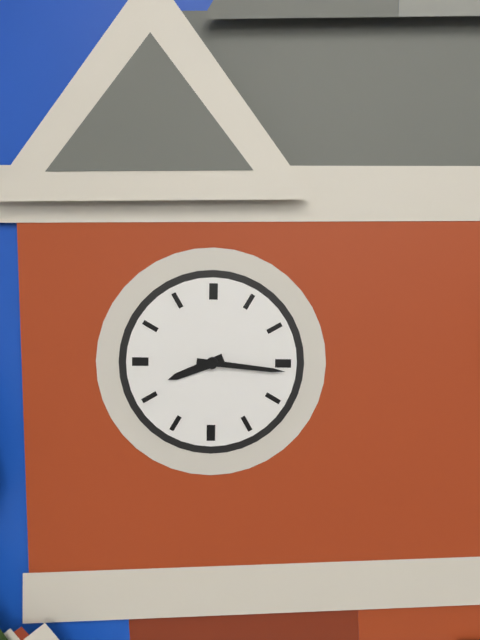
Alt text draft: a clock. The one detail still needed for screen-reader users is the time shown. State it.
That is 8:16
